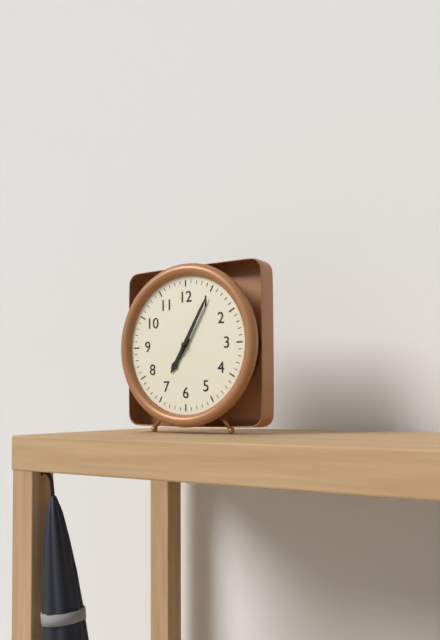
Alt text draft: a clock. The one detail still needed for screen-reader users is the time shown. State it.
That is 7:05
